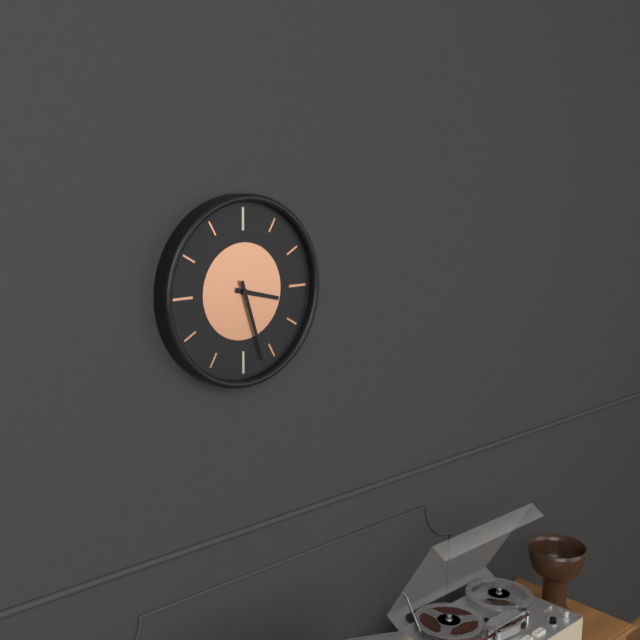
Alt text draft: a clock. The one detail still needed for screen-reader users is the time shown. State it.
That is 3:27
